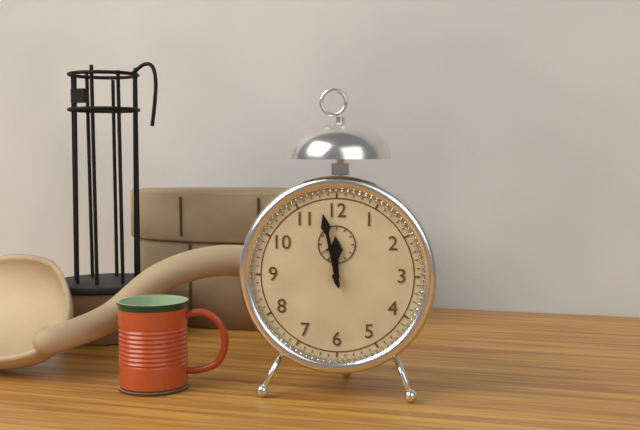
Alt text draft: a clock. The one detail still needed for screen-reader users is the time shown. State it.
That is 11:58
